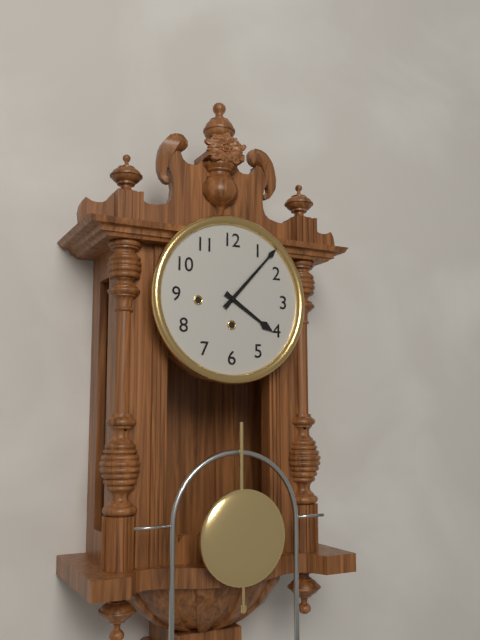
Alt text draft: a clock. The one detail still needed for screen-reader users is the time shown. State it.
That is 4:07
